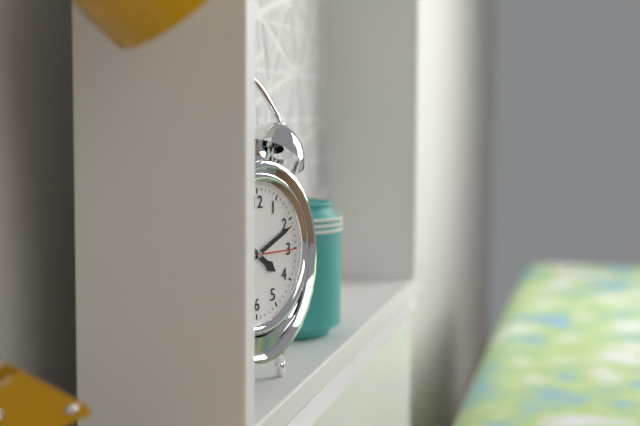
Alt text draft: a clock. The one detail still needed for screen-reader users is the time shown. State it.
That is 4:11
